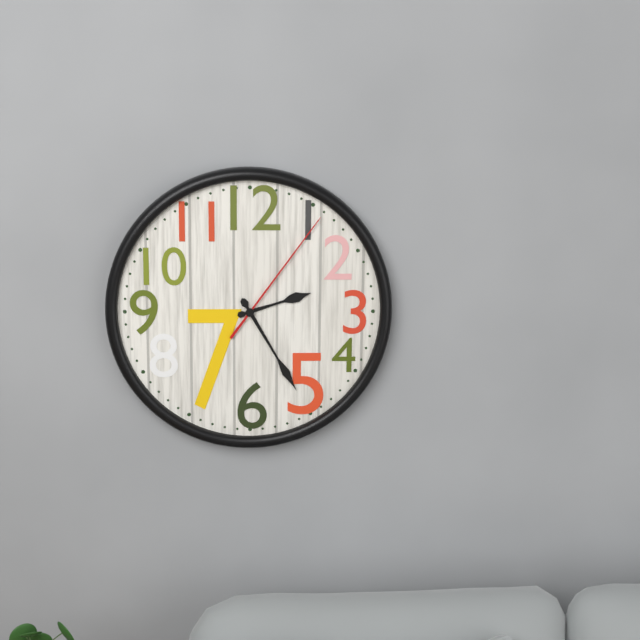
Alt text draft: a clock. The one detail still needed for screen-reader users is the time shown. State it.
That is 2:25:06
